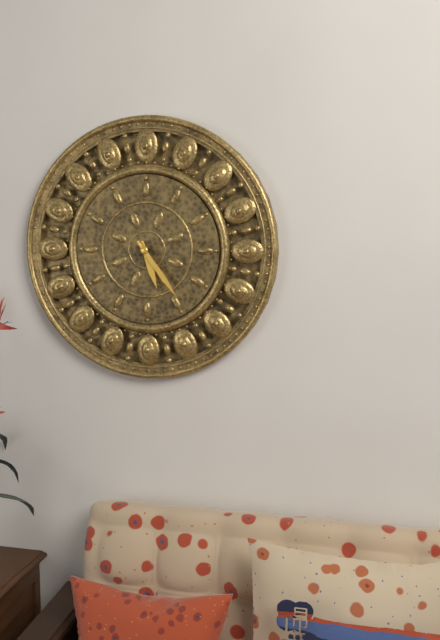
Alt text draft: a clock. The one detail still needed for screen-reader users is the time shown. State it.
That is 5:24
